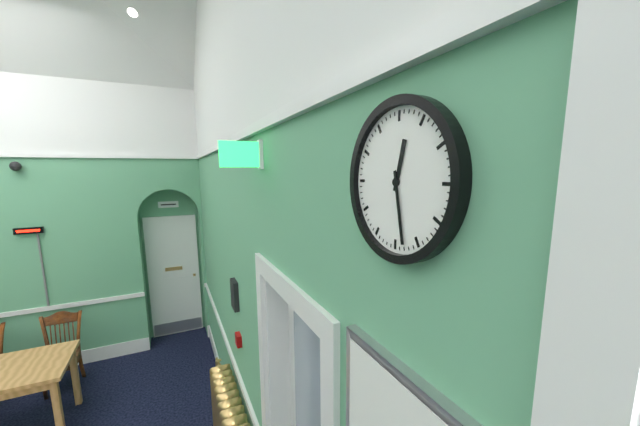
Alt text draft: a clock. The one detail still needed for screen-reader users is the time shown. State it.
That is 12:28
